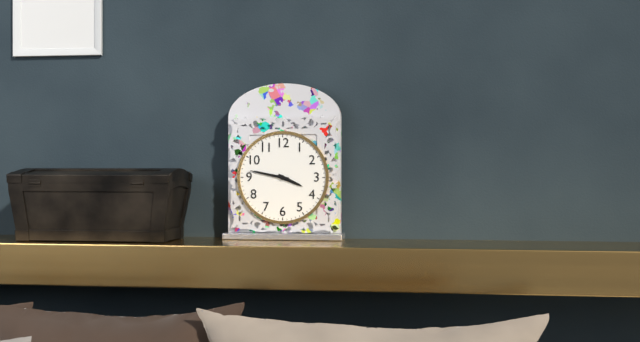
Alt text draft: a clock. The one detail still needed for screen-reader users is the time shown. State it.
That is 3:47
